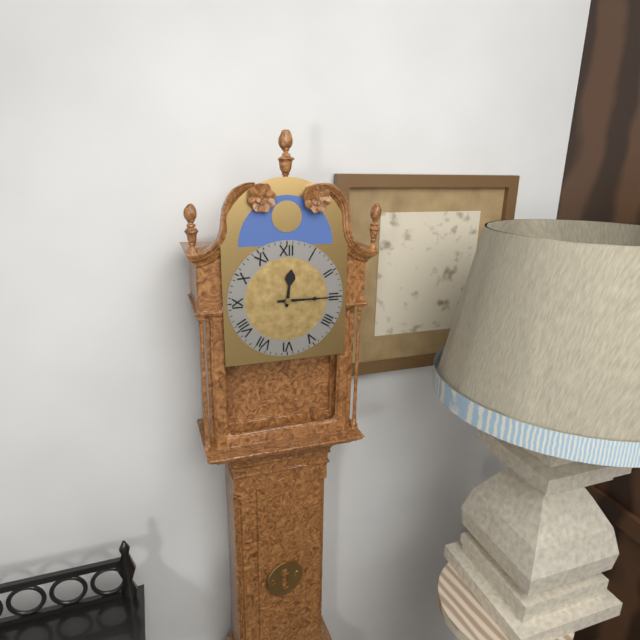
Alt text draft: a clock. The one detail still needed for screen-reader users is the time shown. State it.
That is 12:15
